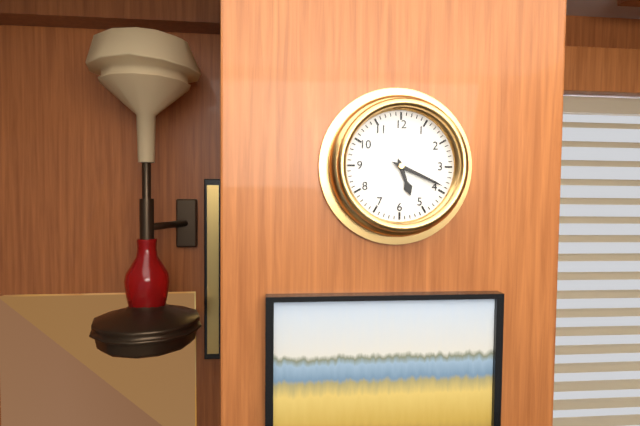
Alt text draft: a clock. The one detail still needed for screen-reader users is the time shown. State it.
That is 5:19
